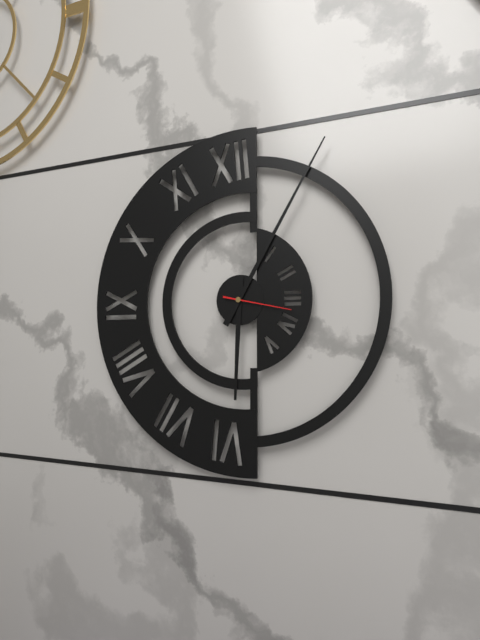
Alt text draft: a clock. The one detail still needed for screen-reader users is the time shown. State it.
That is 6:05:17
